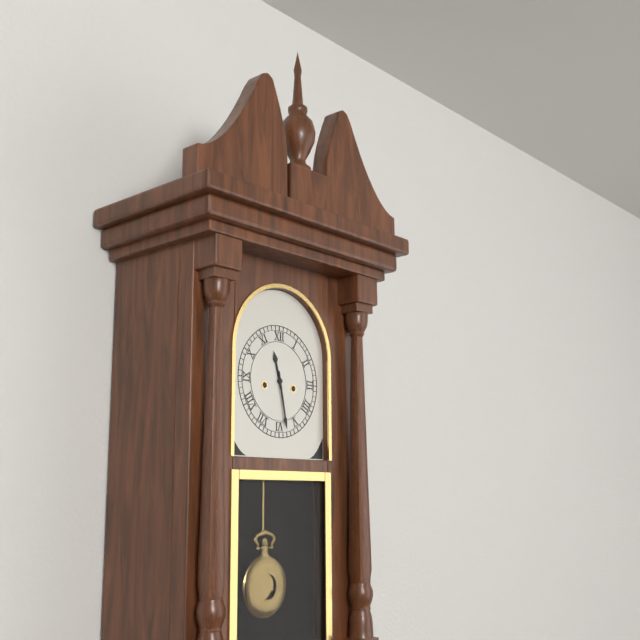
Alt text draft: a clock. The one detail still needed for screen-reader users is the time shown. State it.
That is 11:28
